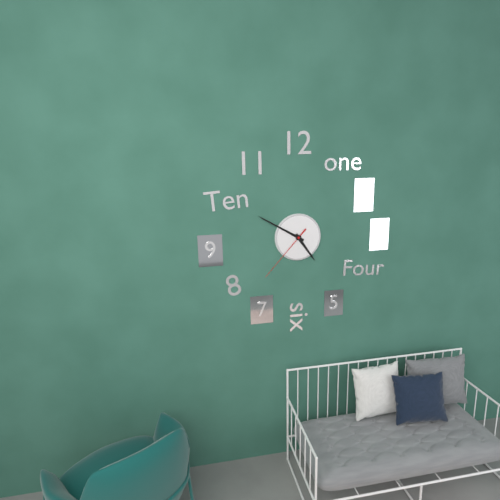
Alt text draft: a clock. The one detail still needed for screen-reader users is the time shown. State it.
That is 4:50:37
